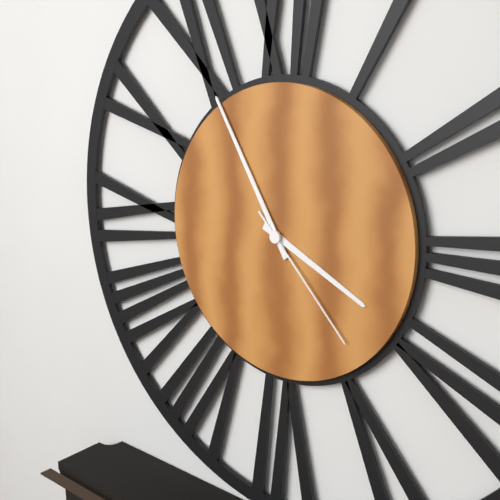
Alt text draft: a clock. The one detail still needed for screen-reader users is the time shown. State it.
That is 3:55:23
